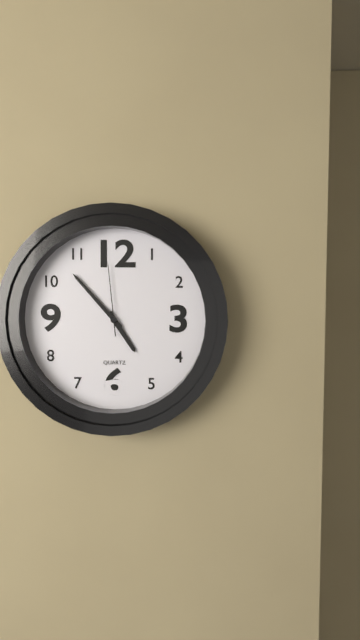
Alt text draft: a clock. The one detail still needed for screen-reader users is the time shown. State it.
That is 4:53:59
